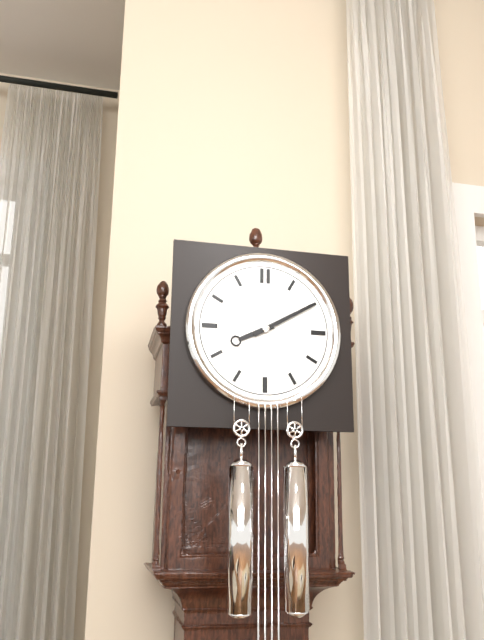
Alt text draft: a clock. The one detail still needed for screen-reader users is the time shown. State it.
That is 8:10
